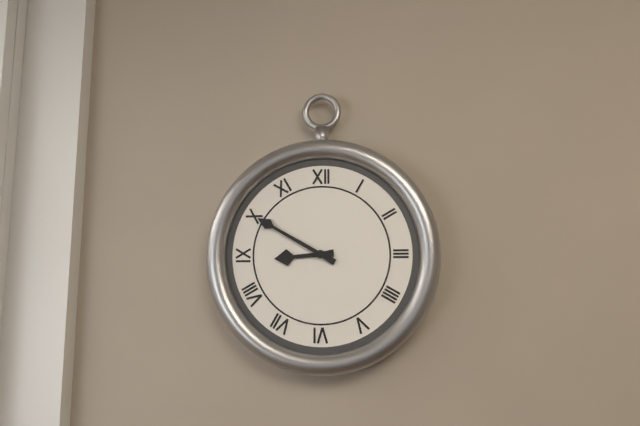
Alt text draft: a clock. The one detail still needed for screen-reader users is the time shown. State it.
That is 8:50
